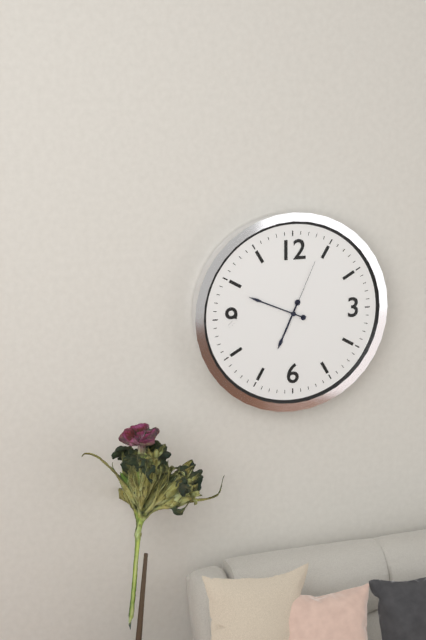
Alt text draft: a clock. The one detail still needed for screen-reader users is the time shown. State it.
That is 6:49:04
